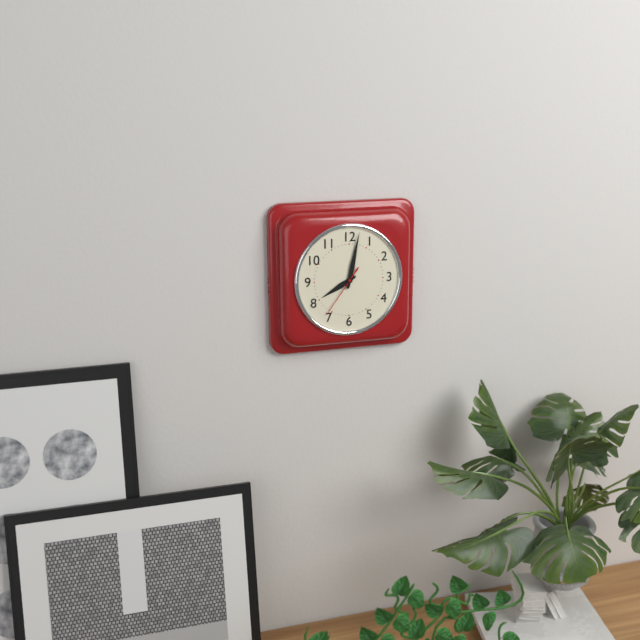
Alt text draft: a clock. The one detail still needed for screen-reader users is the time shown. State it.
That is 8:02:36
